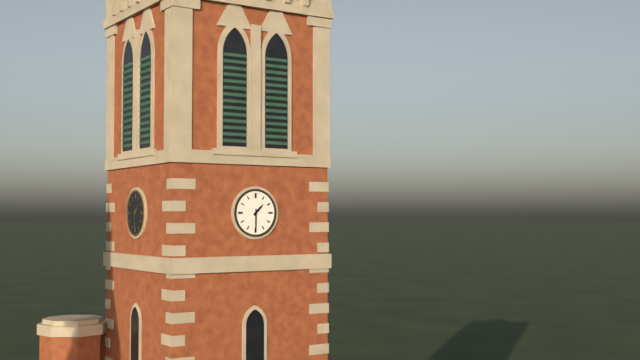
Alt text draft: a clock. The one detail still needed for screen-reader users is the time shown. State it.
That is 1:30
